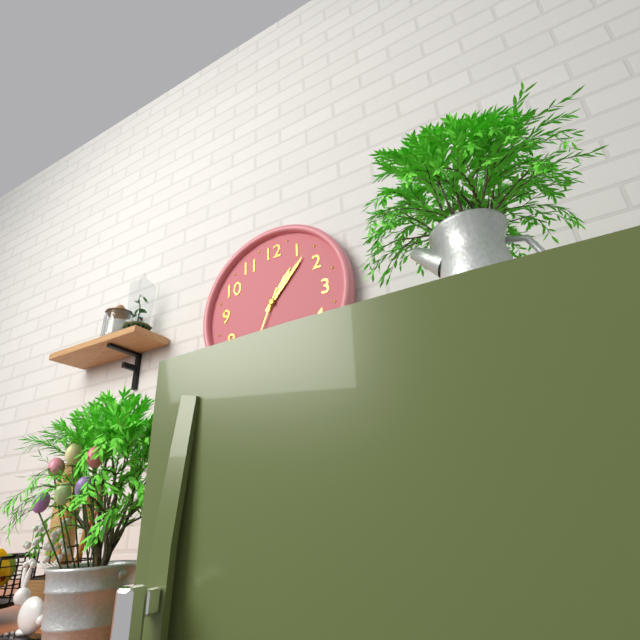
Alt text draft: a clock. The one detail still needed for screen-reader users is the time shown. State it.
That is 1:07
